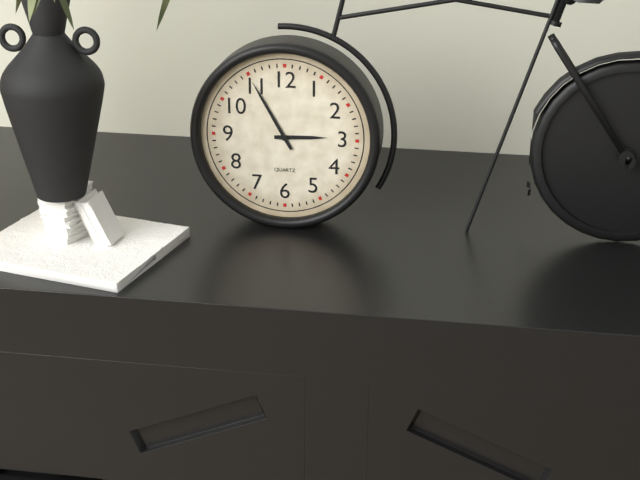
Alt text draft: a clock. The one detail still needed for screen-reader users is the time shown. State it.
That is 2:55
